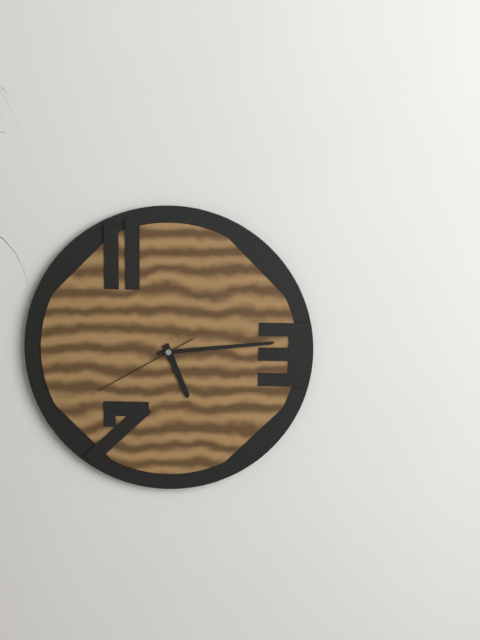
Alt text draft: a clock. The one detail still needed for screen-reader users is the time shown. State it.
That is 5:14:40
